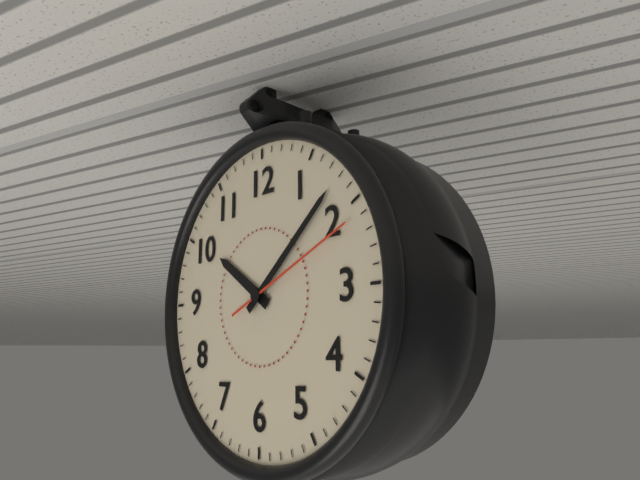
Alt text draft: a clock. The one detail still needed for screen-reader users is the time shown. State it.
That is 10:08:11
